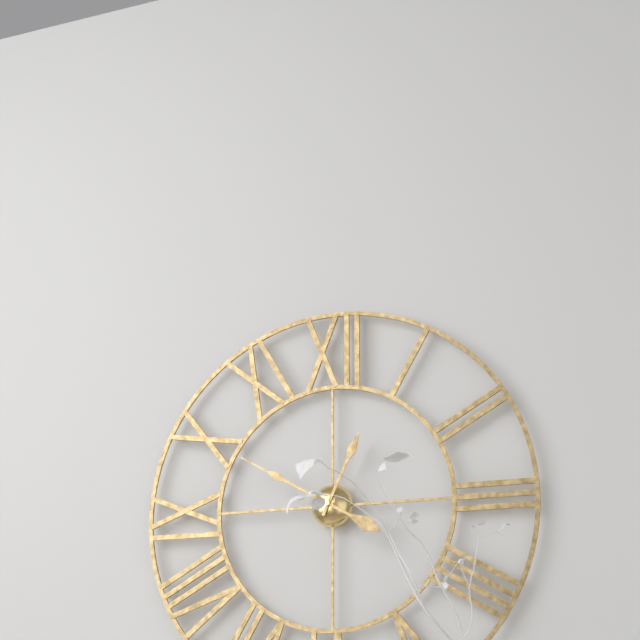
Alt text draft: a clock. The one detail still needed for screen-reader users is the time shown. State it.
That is 12:50
